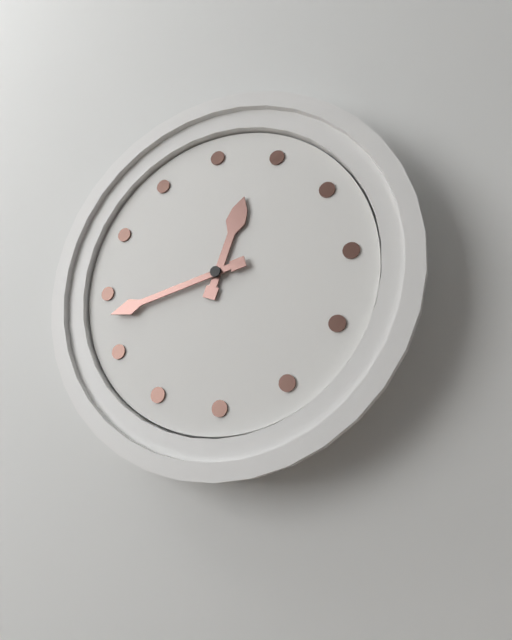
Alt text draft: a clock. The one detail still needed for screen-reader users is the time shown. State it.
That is 12:43
